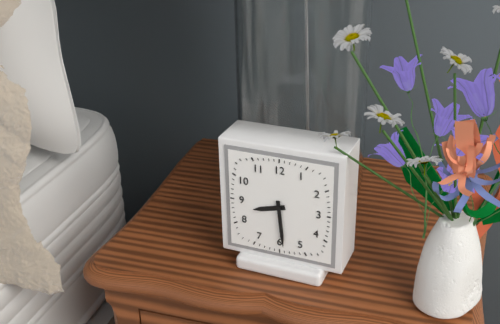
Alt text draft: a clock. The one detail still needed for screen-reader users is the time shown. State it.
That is 8:29
